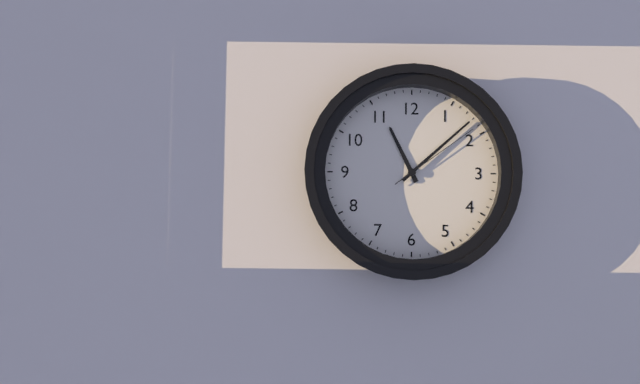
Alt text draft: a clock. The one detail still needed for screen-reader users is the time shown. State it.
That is 11:08:09
